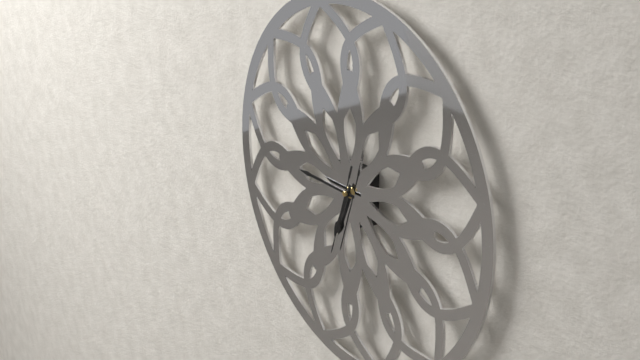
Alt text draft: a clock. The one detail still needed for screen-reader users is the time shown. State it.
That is 6:45:33
